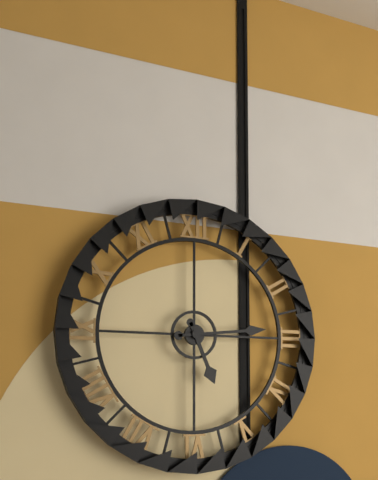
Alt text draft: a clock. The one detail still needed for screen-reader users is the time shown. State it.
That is 5:14
